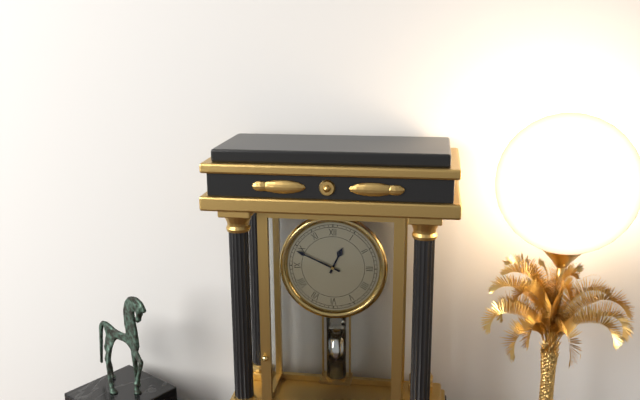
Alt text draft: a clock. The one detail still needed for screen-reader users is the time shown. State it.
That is 12:49
